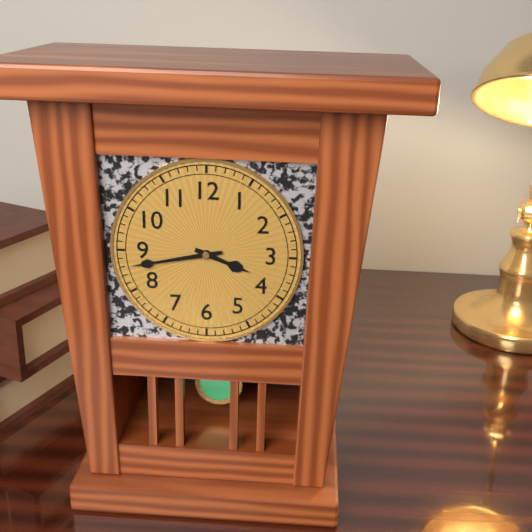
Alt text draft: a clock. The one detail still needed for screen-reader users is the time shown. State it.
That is 3:43
